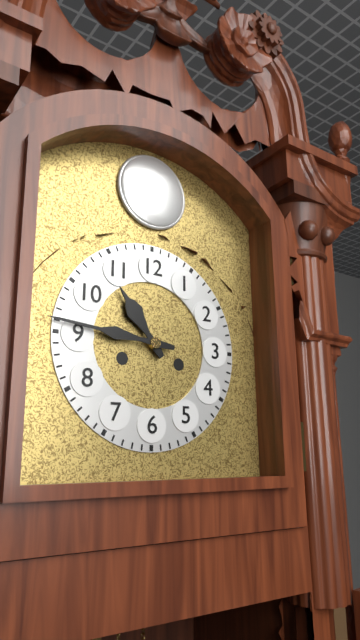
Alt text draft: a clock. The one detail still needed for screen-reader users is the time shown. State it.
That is 10:46
